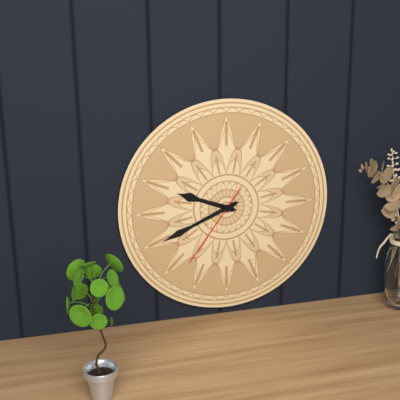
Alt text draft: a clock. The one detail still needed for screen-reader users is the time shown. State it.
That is 9:41:36
